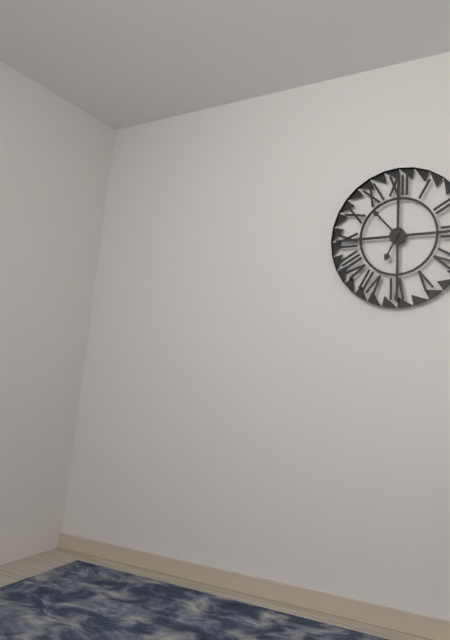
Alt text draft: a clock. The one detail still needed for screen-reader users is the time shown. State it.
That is 6:53
